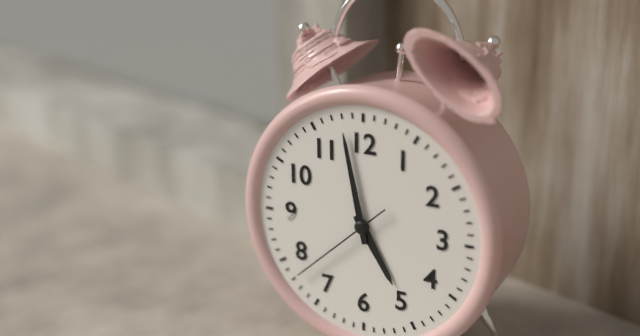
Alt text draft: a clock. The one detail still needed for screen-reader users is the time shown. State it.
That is 4:58:38
